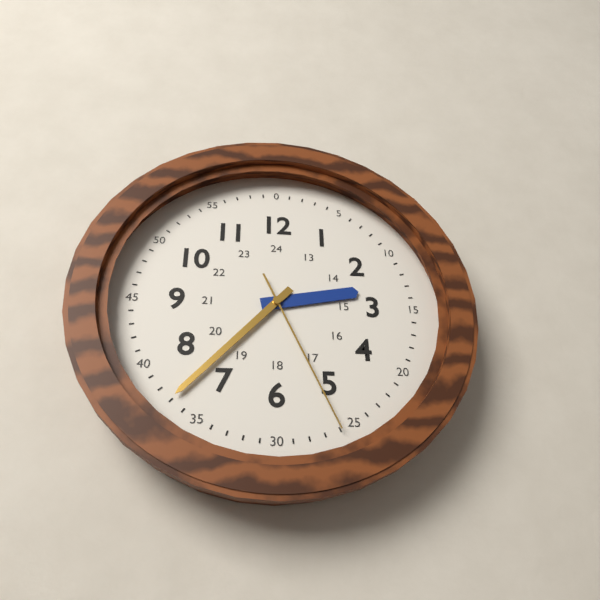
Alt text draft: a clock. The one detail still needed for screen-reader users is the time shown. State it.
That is 2:37:26
